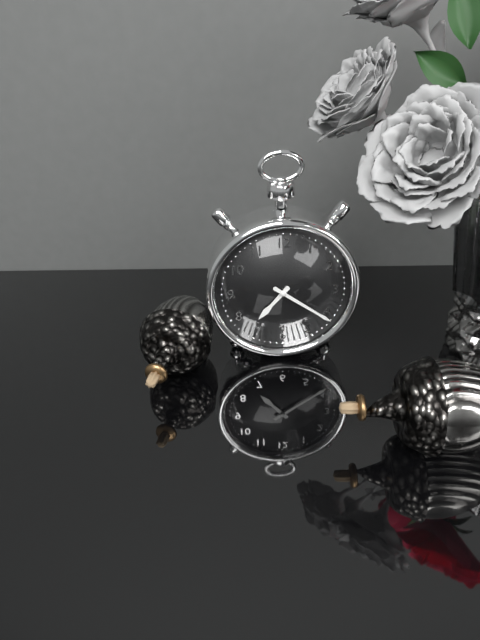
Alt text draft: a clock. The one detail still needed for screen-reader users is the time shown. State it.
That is 7:21
